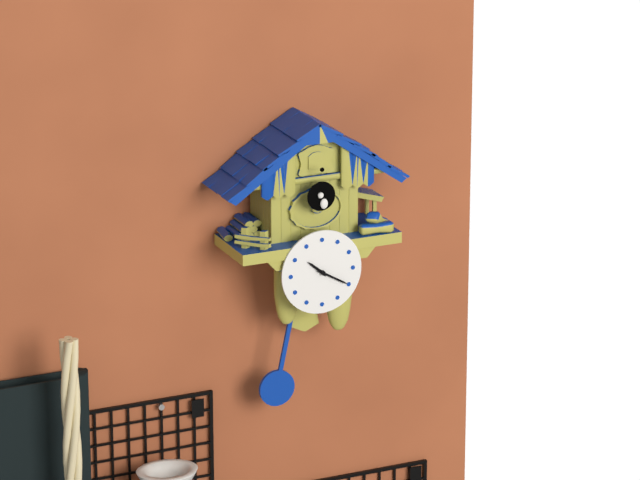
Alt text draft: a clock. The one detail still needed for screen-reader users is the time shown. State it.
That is 10:20
